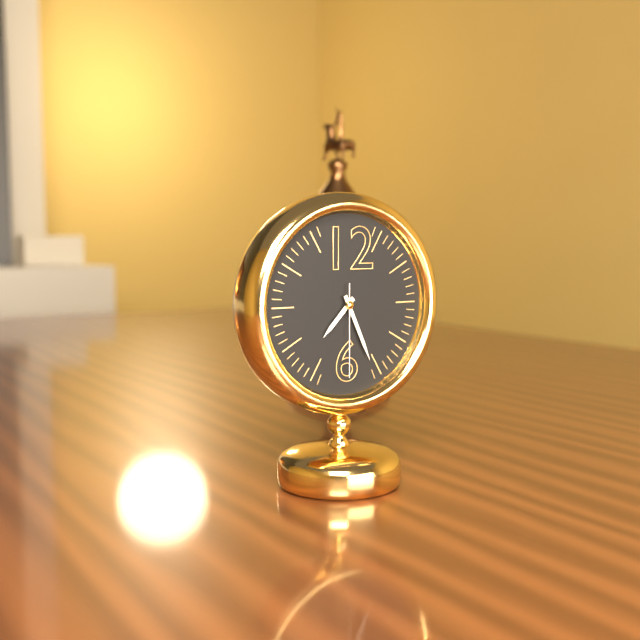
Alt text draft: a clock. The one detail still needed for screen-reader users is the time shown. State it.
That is 7:26:30
